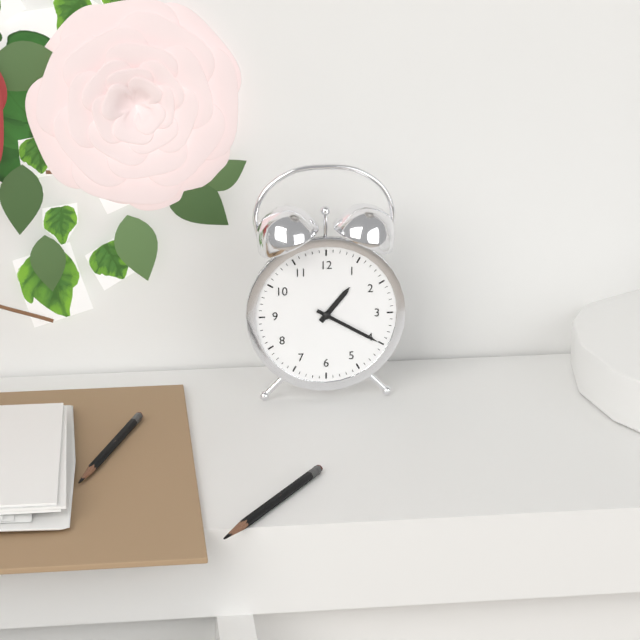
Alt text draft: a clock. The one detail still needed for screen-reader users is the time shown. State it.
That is 1:20
